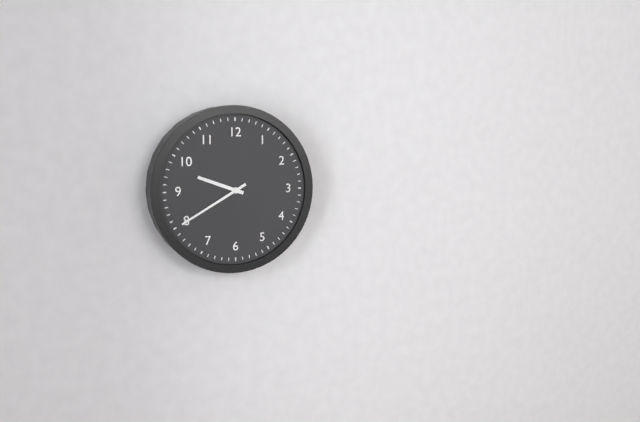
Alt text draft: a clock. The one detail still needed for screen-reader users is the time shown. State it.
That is 9:40
